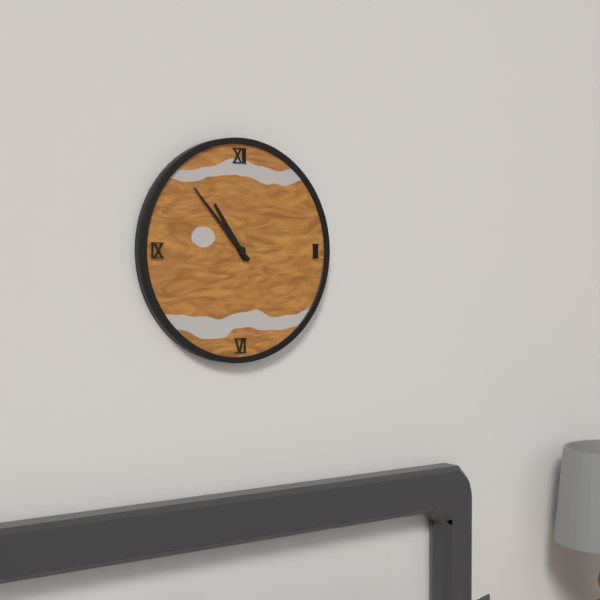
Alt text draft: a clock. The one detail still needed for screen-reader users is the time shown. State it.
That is 10:53
